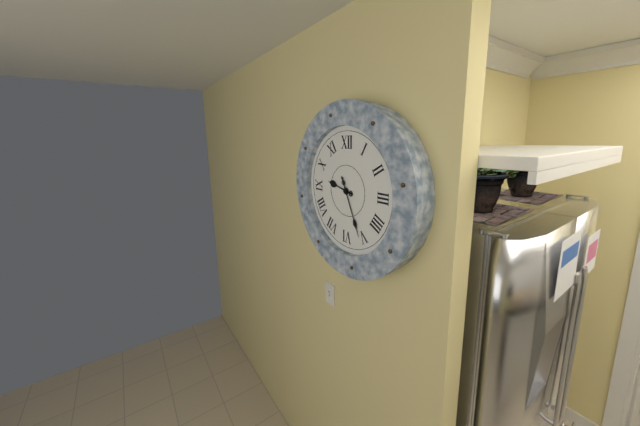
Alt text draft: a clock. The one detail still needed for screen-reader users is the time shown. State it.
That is 9:26
